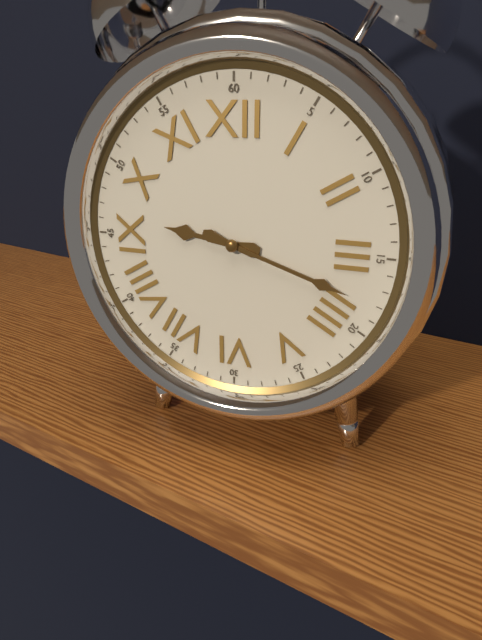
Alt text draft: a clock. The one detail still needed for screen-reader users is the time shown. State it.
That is 9:18
